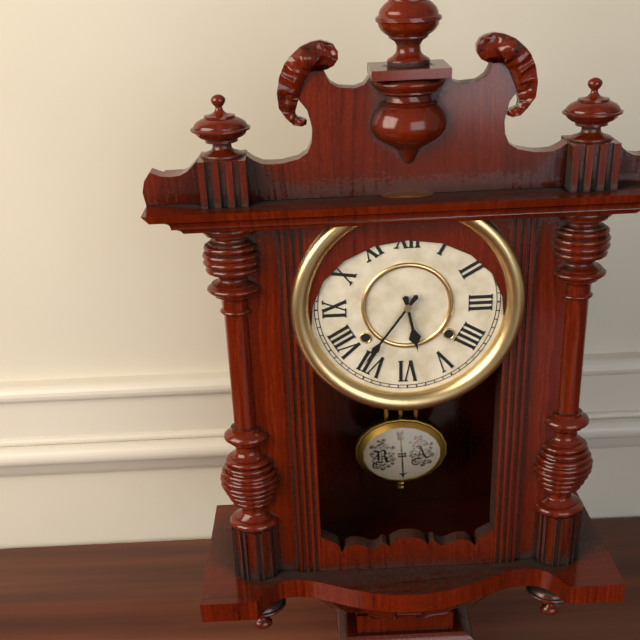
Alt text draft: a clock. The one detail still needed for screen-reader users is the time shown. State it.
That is 5:36
